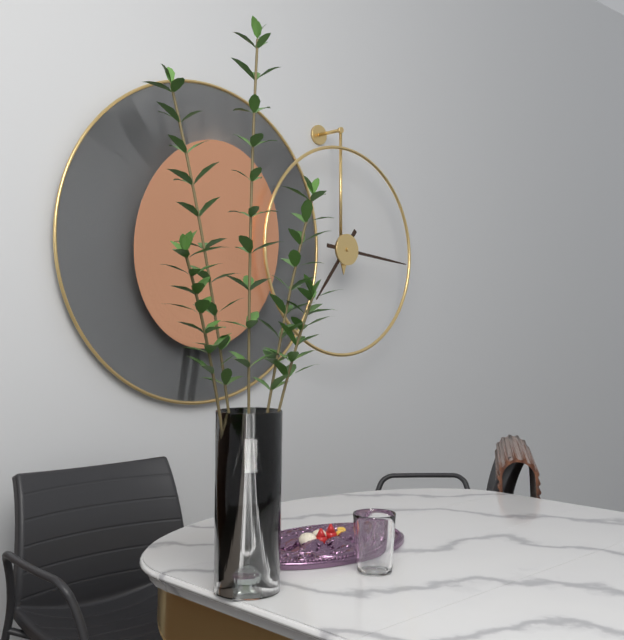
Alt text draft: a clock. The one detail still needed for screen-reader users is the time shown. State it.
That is 7:16
